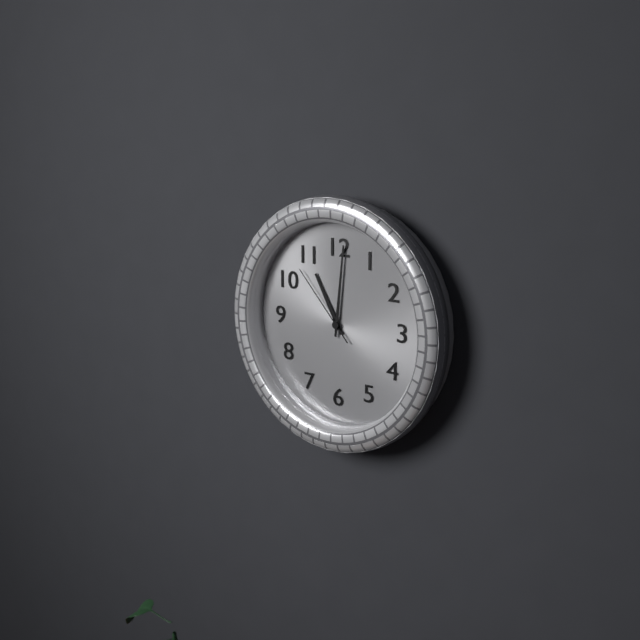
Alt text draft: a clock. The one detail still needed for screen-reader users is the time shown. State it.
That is 11:01:53
